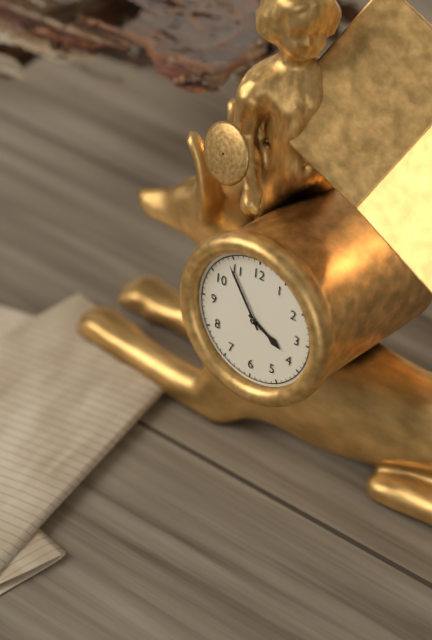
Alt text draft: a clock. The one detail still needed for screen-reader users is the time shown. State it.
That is 3:54
